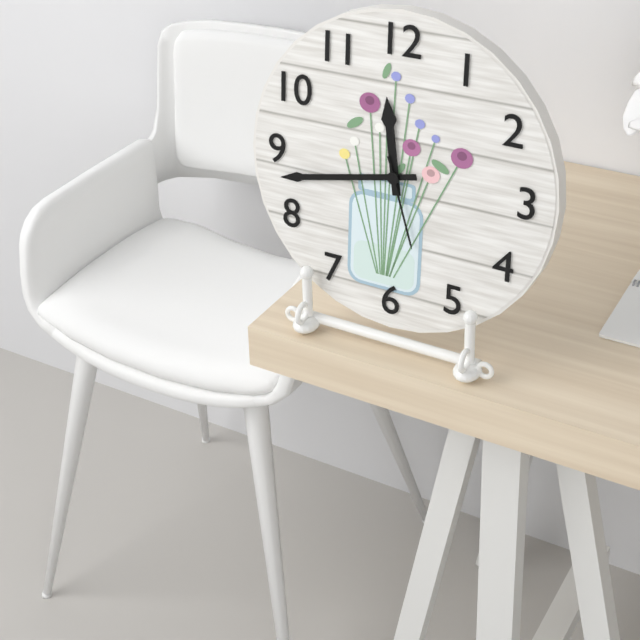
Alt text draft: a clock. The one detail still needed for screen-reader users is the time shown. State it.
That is 11:43:27
